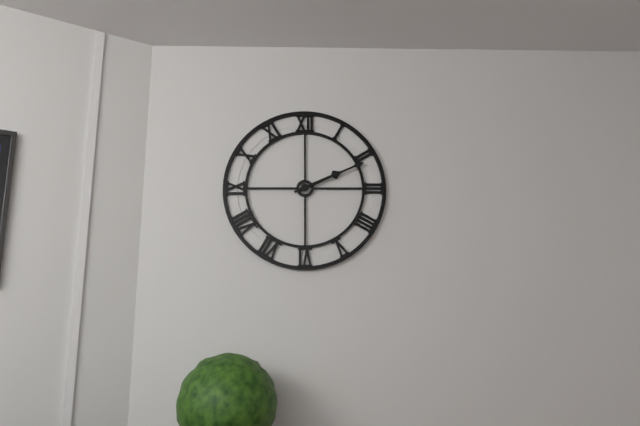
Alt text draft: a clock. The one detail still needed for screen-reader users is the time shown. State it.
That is 2:11
